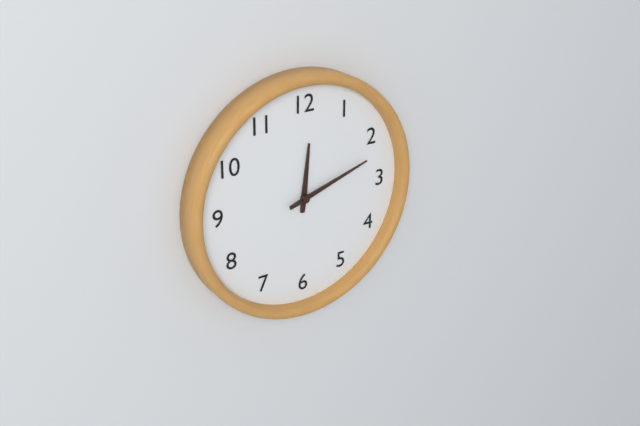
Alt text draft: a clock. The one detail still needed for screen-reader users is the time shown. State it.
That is 12:12
